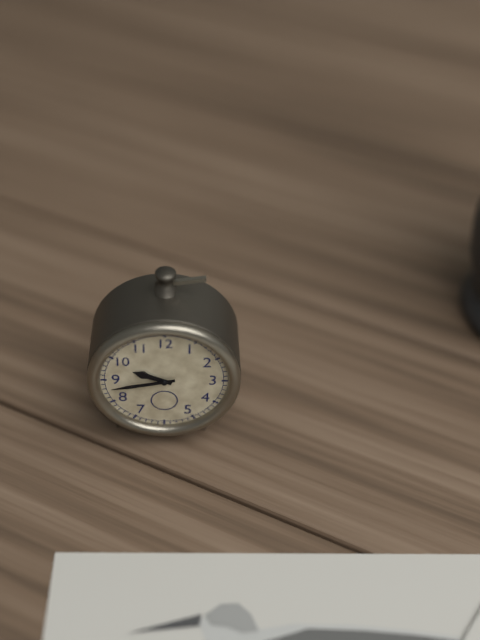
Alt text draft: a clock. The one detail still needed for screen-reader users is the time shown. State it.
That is 9:43
